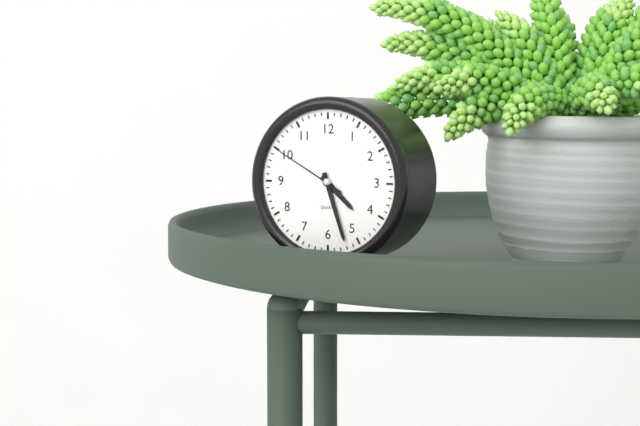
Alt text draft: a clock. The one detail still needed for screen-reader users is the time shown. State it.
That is 4:27:50
